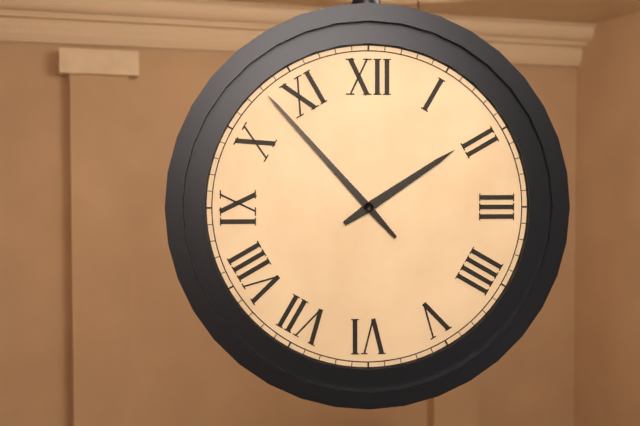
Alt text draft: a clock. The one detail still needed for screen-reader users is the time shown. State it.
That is 1:53
